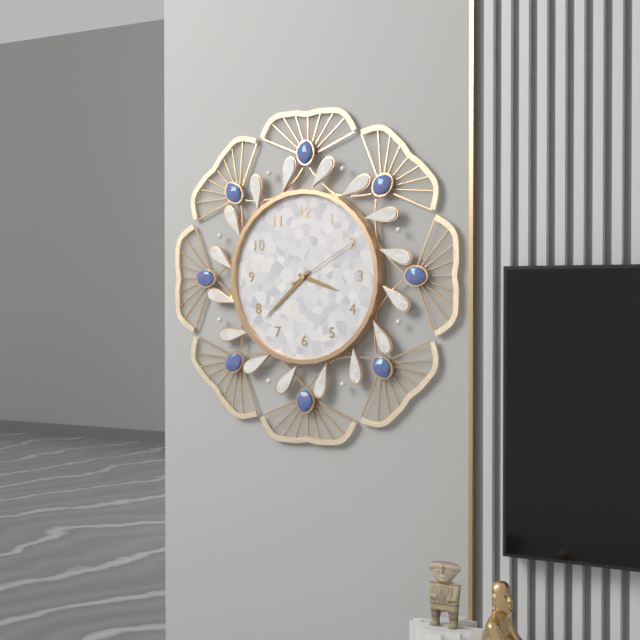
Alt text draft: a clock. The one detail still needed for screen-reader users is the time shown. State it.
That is 3:38:10
